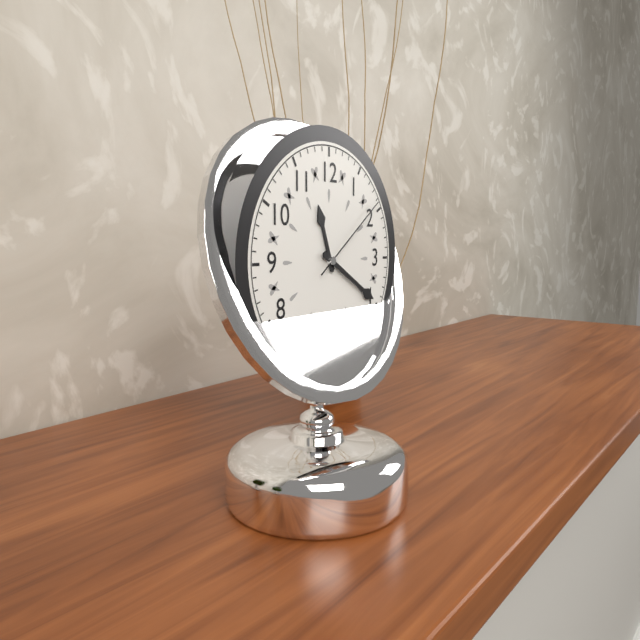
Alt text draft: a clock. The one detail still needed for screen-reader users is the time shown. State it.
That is 11:20:09
